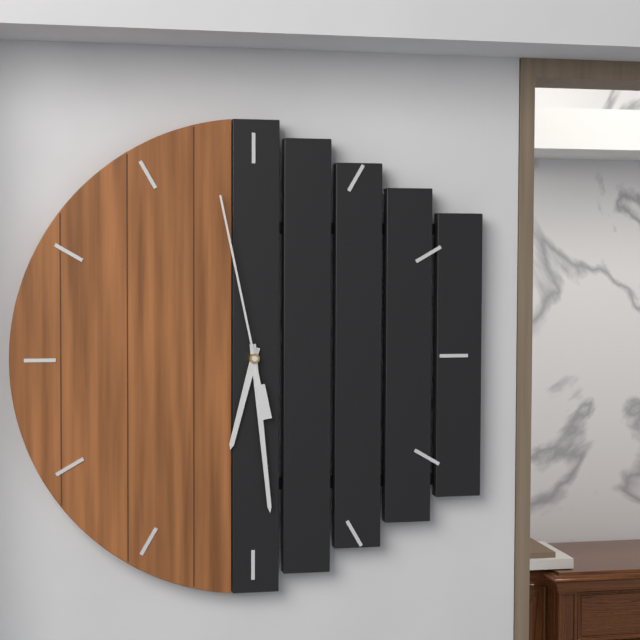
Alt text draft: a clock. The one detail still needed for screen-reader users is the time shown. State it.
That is 6:29:58
